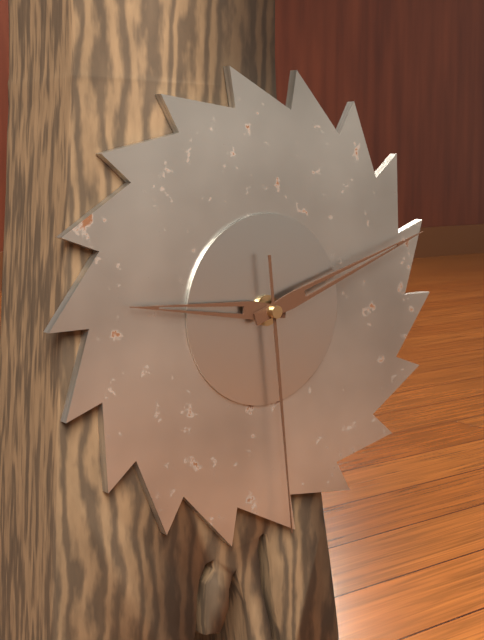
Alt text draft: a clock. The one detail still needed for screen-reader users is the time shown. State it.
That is 9:12:29
